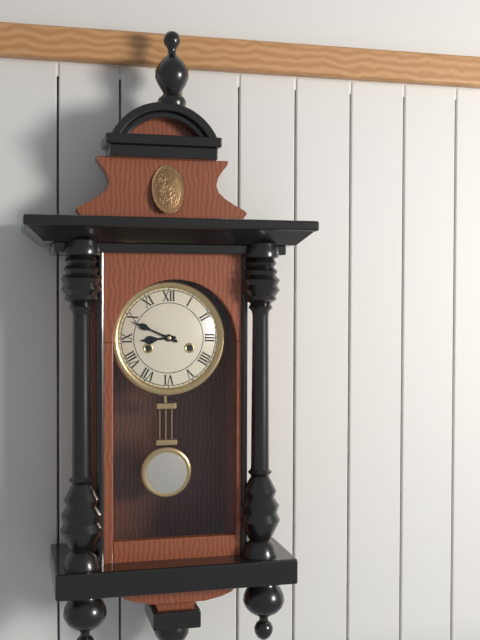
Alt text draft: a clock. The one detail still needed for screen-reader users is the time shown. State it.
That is 8:49
